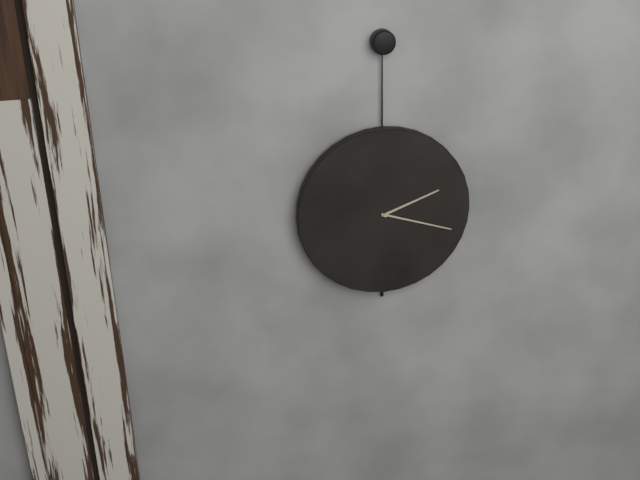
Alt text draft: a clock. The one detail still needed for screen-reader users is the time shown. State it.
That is 2:18
